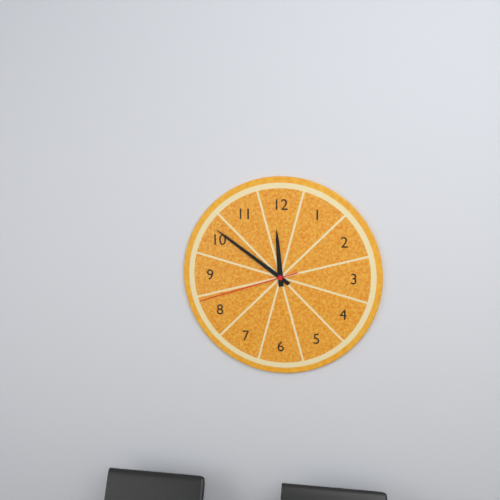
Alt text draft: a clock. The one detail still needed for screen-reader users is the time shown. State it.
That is 11:51:42
